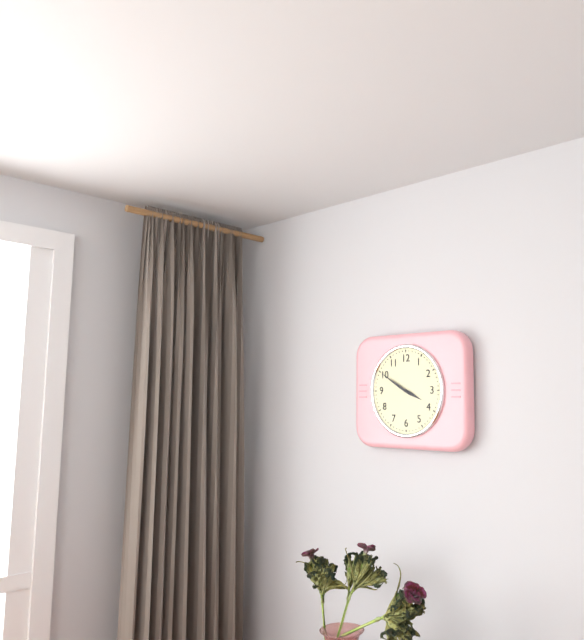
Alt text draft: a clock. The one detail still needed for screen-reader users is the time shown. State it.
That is 3:50
